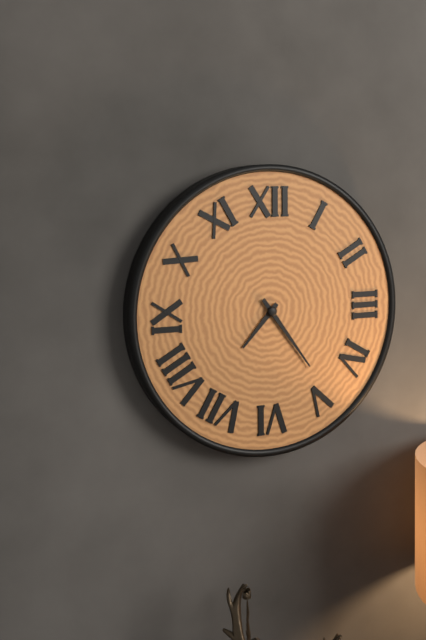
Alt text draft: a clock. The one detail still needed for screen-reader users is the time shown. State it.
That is 7:24
